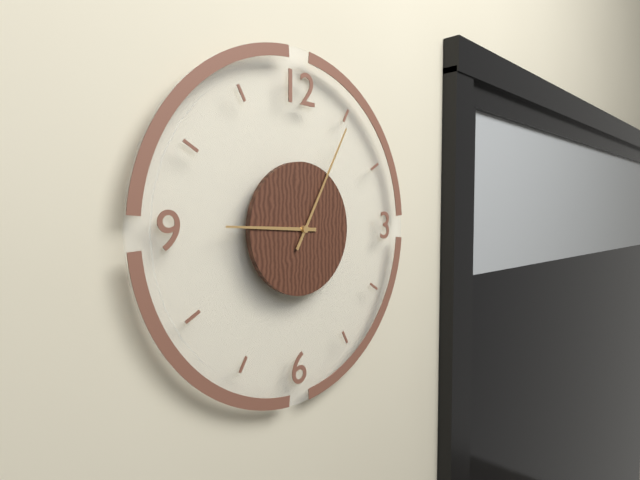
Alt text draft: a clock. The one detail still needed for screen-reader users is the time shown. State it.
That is 9:05
